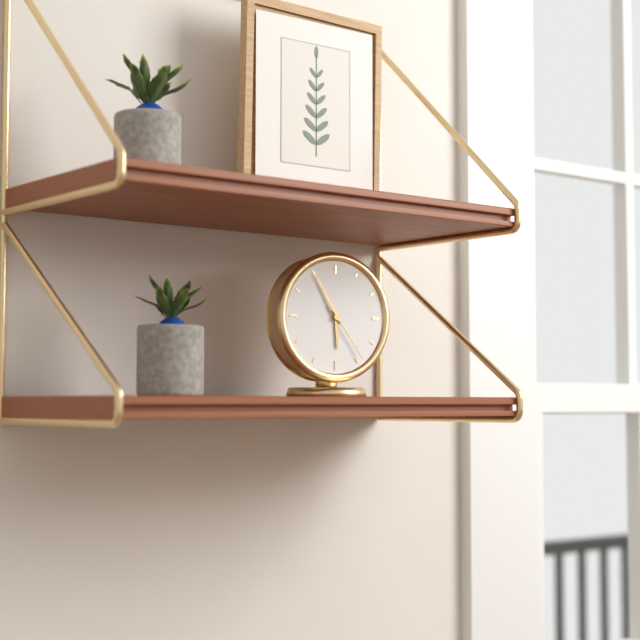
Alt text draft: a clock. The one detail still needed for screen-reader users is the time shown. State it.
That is 5:55:24
